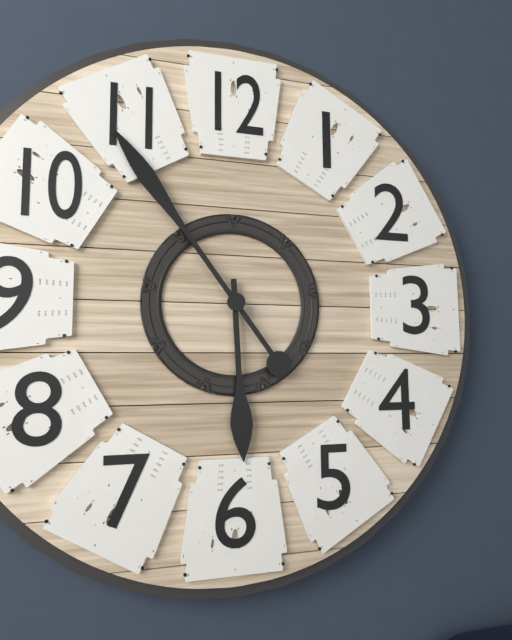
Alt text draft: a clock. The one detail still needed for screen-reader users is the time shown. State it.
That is 5:54
